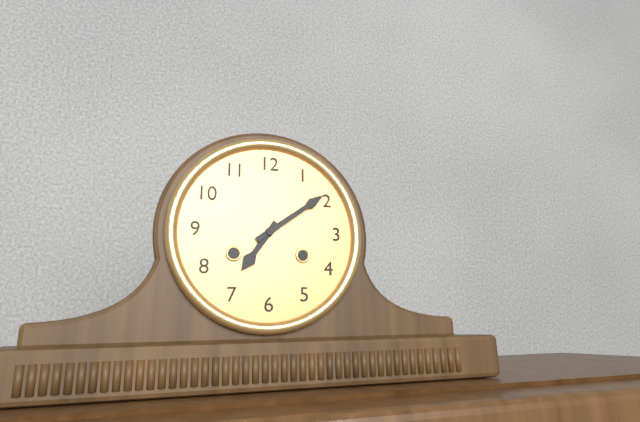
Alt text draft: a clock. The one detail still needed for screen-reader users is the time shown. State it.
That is 7:09
